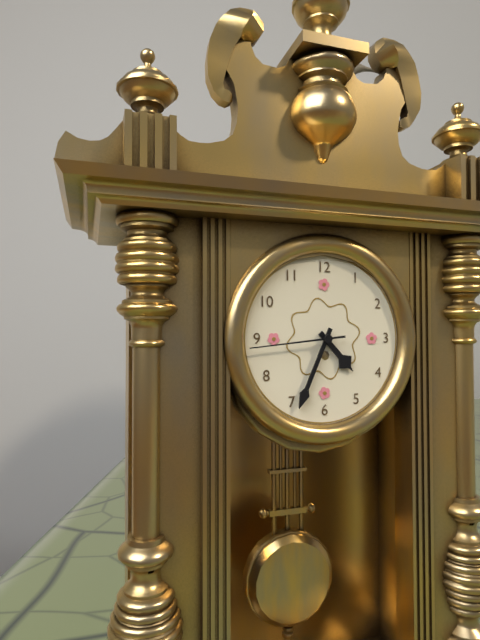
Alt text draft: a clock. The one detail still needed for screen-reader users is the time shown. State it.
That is 4:34:44
